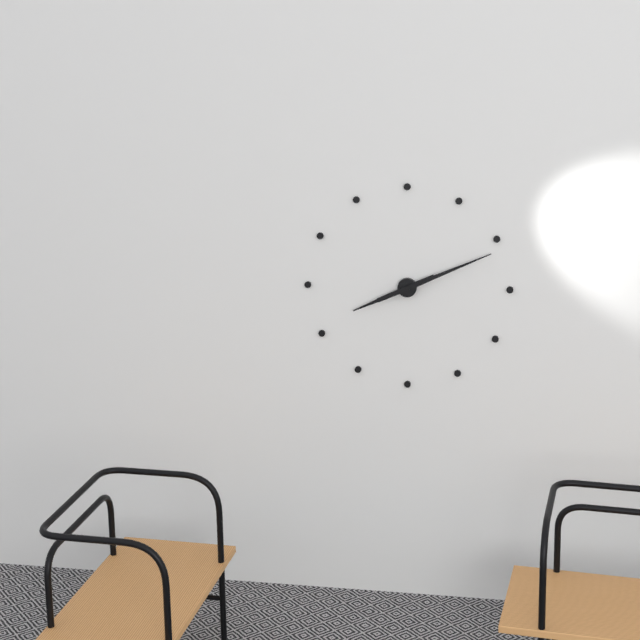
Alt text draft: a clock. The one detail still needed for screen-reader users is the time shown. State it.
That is 8:11
